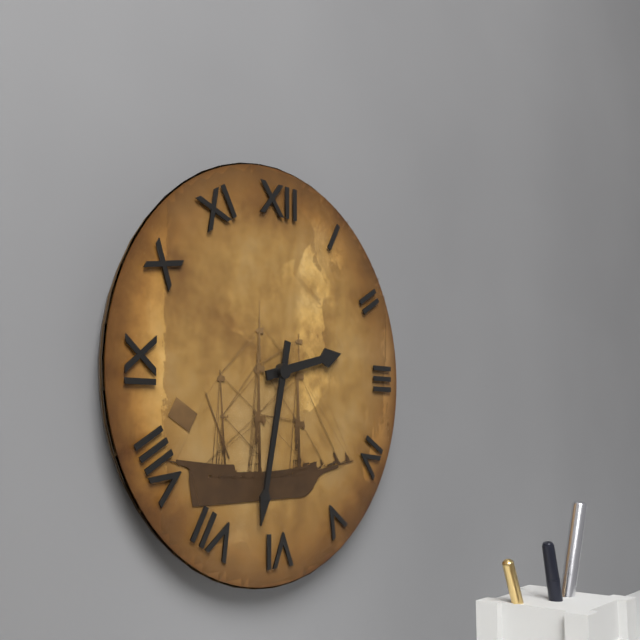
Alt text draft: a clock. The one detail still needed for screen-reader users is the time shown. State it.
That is 2:32
